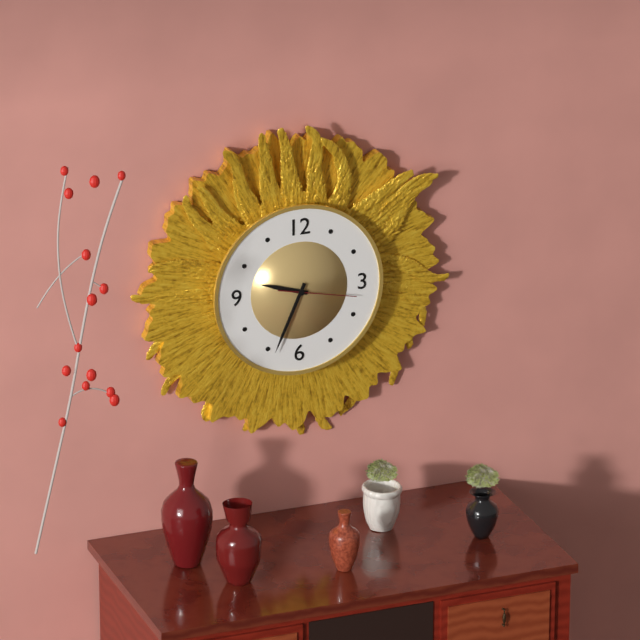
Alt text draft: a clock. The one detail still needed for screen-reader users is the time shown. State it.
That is 9:34:17
